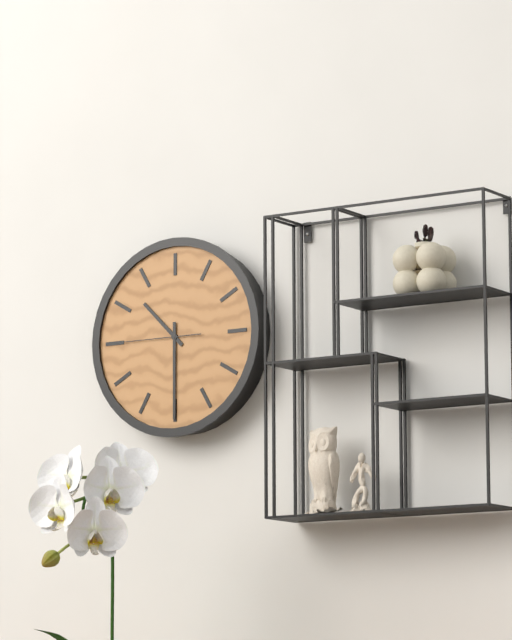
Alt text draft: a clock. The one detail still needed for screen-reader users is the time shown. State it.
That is 10:30:45
